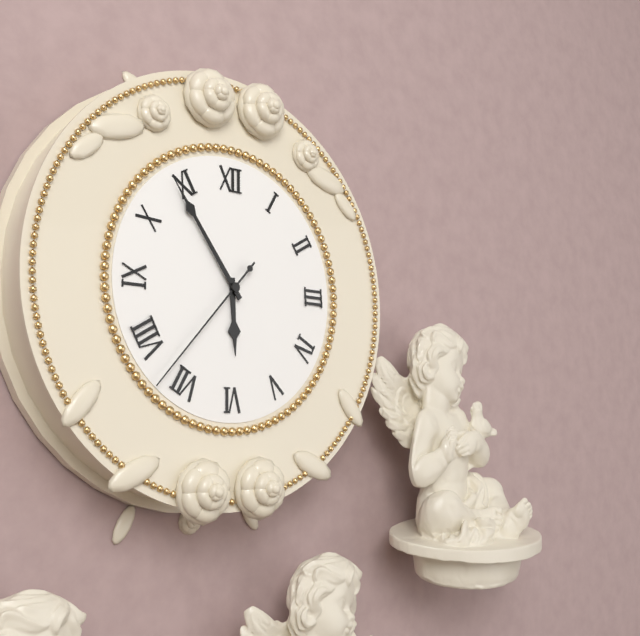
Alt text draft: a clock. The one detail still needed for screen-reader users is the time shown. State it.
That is 5:54:37
